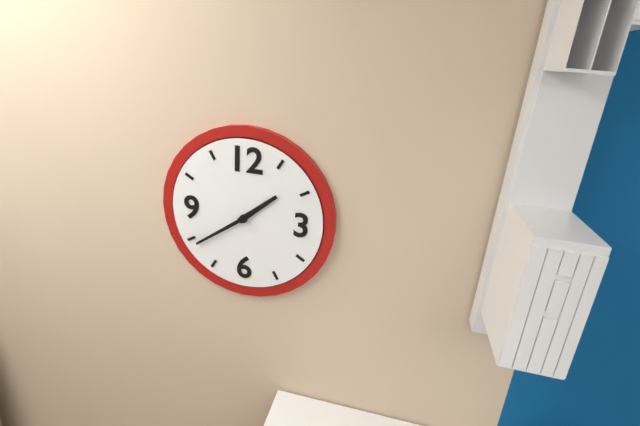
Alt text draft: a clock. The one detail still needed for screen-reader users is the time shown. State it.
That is 1:39
